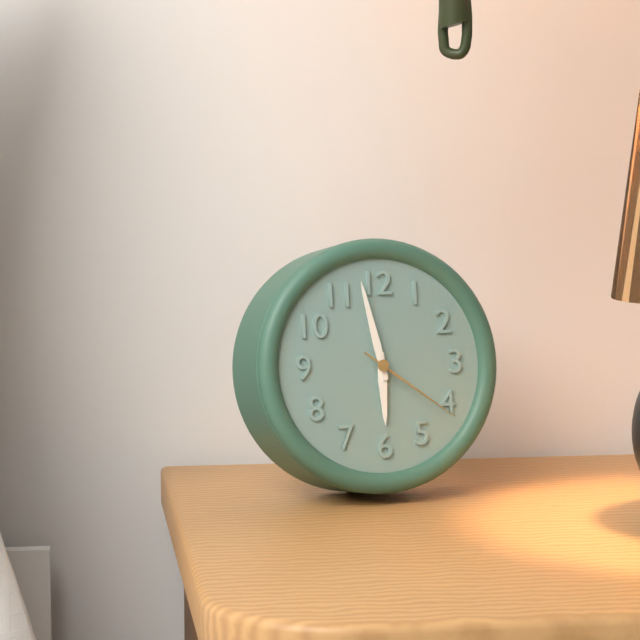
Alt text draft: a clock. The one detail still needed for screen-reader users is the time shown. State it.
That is 5:58:21
